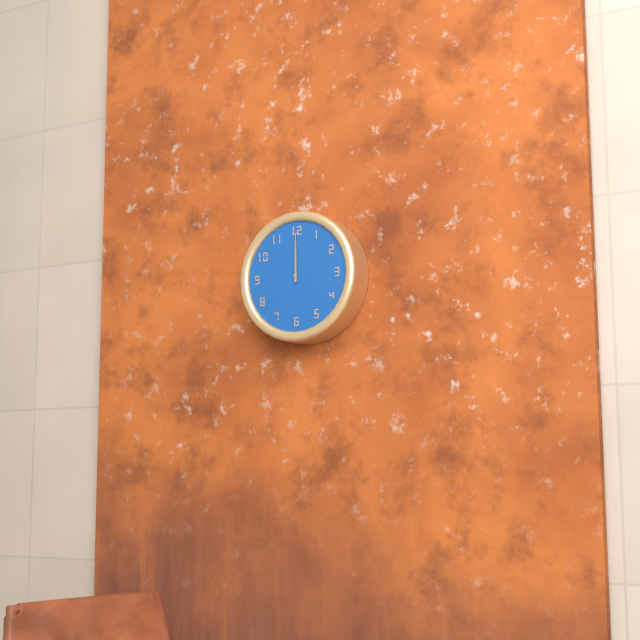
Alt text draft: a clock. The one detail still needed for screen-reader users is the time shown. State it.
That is 12:00
